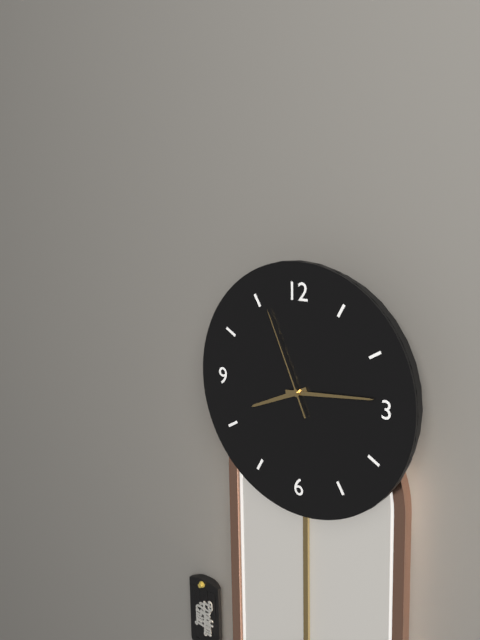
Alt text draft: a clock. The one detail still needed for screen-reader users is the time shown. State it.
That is 8:14:56
